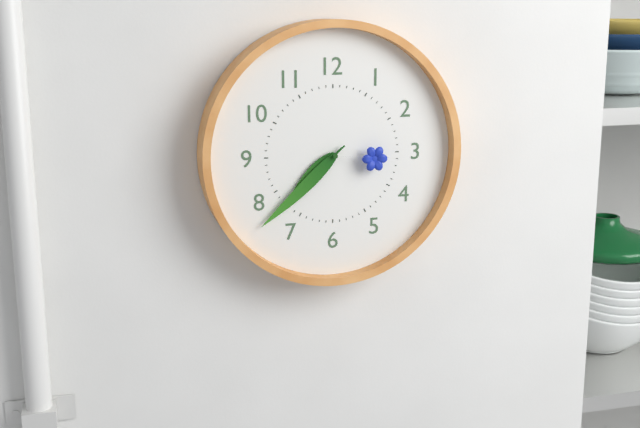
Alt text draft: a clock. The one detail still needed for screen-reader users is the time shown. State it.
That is 7:38:16
